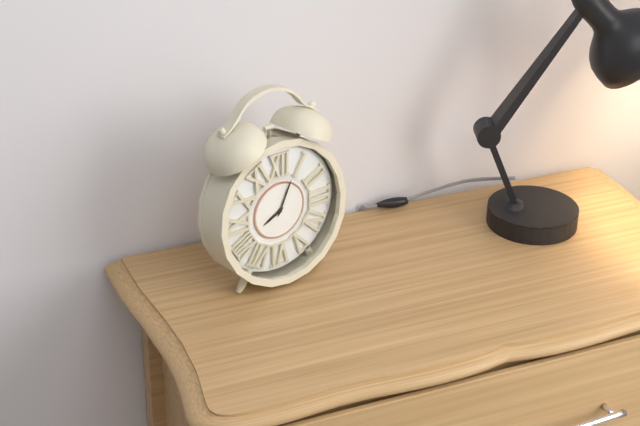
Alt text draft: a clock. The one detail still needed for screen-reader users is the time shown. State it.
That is 8:04
